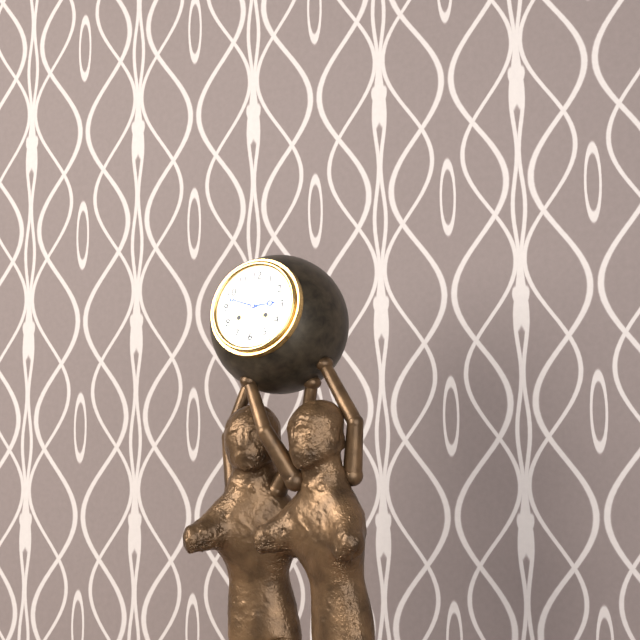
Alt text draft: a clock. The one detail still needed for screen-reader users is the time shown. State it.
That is 2:48
